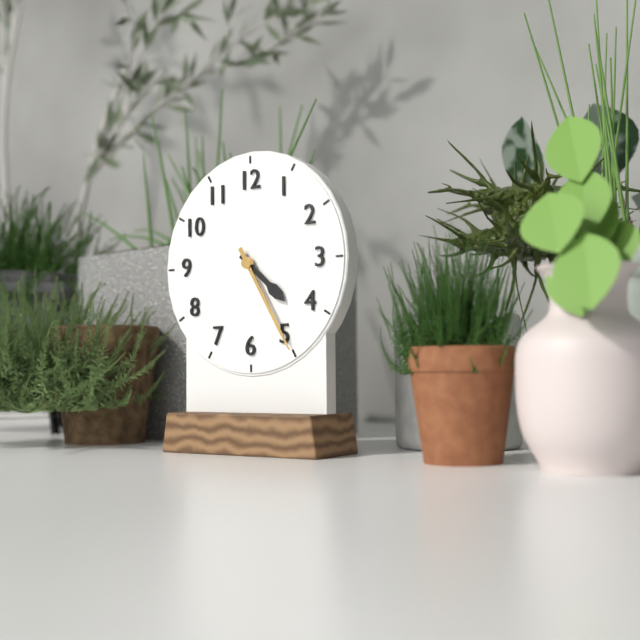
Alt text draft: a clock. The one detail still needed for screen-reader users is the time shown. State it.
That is 4:25
